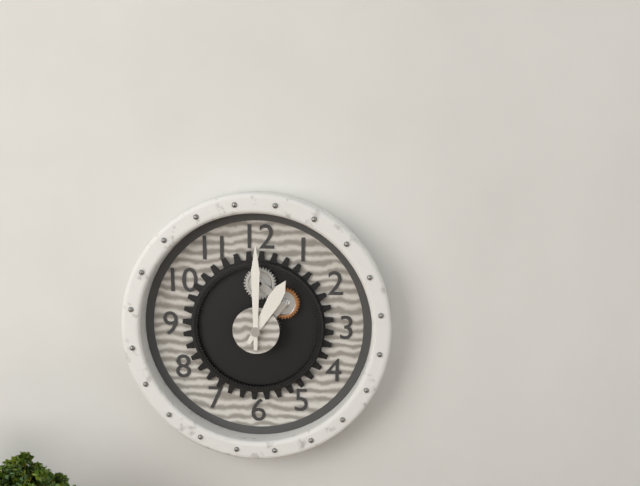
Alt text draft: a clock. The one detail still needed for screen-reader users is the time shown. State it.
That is 1:00
